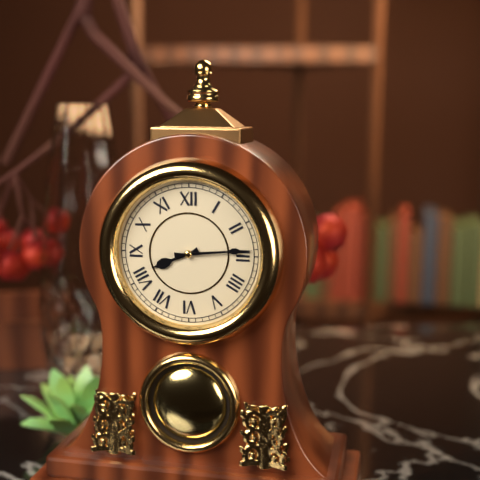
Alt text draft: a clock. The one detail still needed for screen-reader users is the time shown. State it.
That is 8:14
